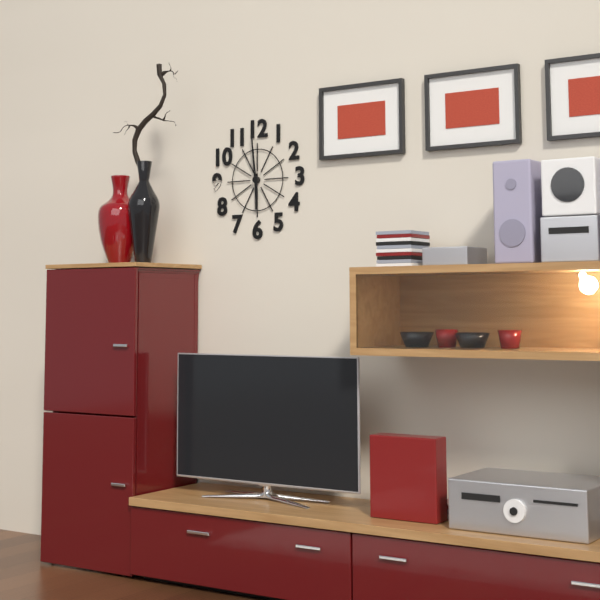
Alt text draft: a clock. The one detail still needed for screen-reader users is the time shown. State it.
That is 5:59
